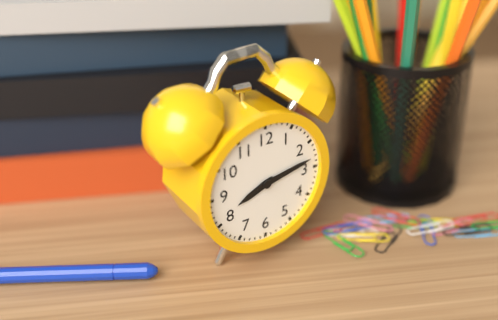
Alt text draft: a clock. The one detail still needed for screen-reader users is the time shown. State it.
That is 8:13
